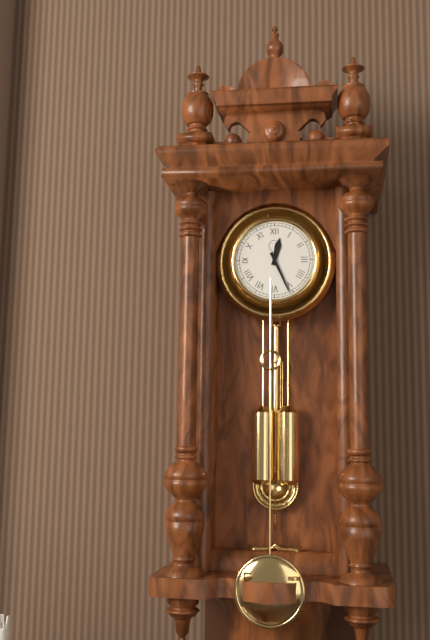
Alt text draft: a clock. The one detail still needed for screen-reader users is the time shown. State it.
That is 12:26
